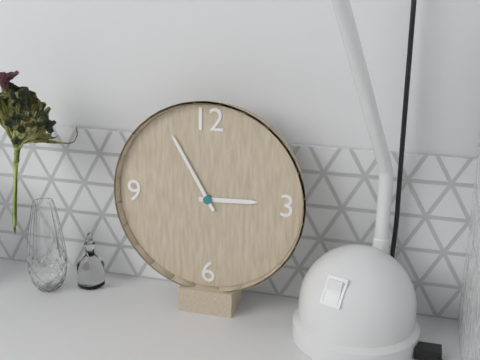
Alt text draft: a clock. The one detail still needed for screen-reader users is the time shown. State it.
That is 2:55
